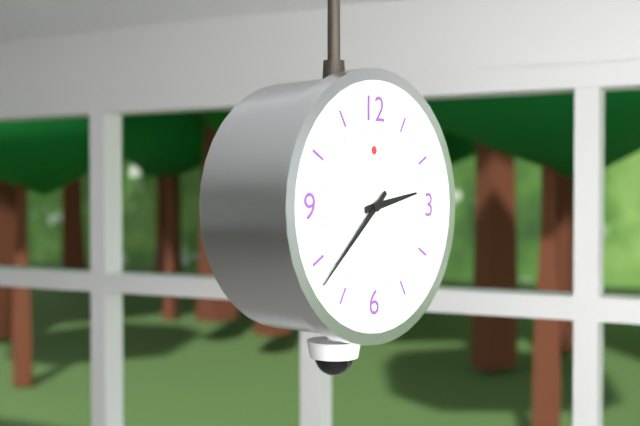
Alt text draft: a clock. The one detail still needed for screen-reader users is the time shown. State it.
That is 2:38
